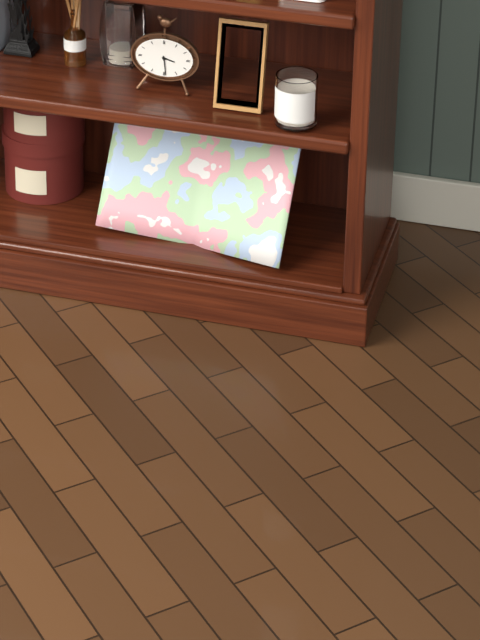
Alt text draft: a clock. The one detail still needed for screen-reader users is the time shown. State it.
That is 3:29
